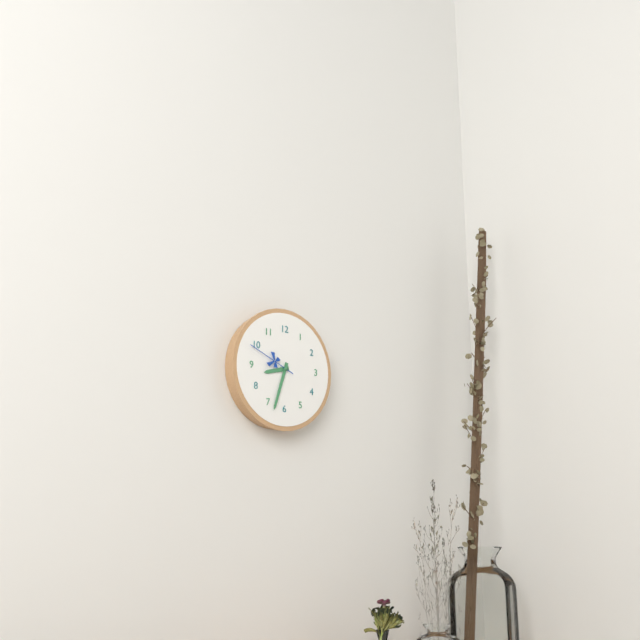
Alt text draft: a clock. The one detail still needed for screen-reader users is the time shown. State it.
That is 8:33:49
